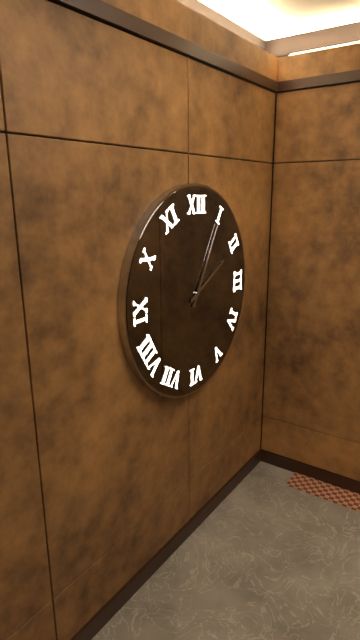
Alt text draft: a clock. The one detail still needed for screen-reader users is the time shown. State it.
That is 2:05
